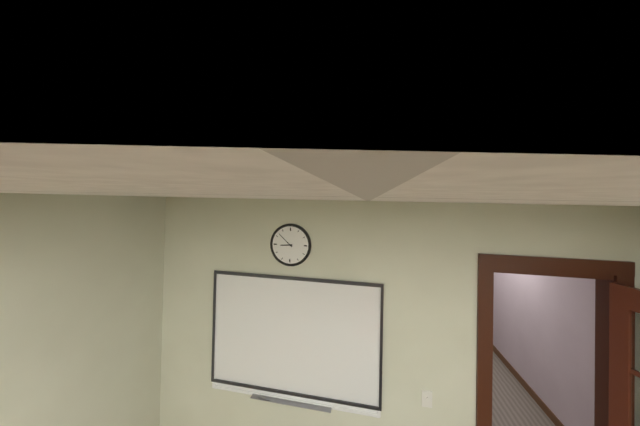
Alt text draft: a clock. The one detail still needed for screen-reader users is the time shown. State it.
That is 8:52
